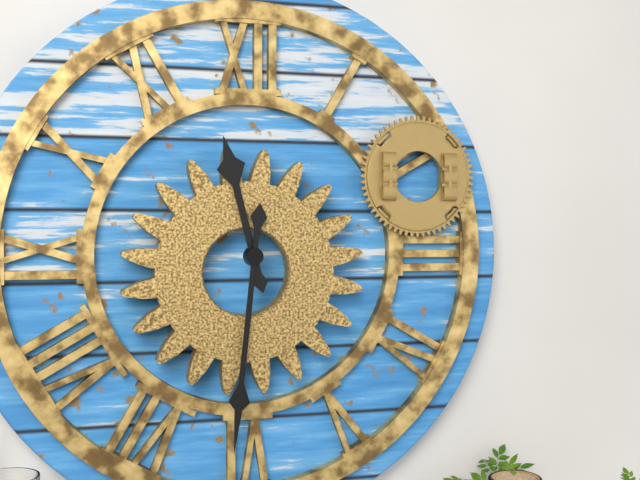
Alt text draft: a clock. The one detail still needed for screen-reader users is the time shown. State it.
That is 11:31
